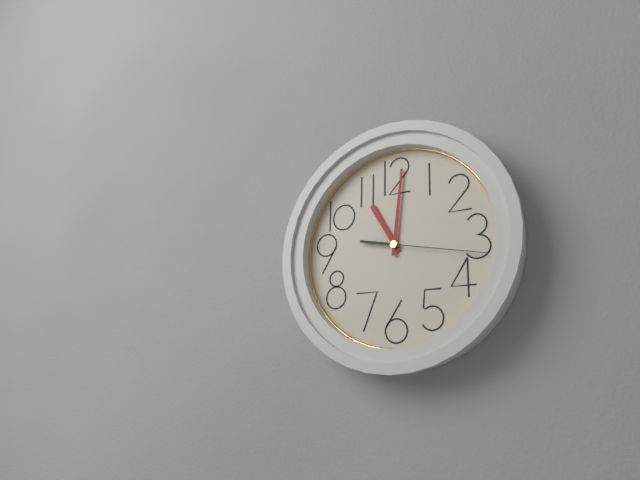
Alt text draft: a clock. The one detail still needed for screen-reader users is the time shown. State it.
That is 11:01:17
